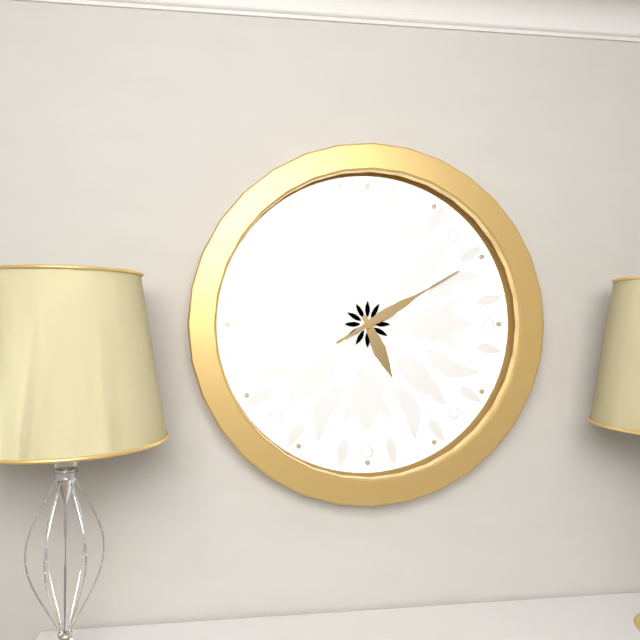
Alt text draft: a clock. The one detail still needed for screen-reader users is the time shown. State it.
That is 5:10
